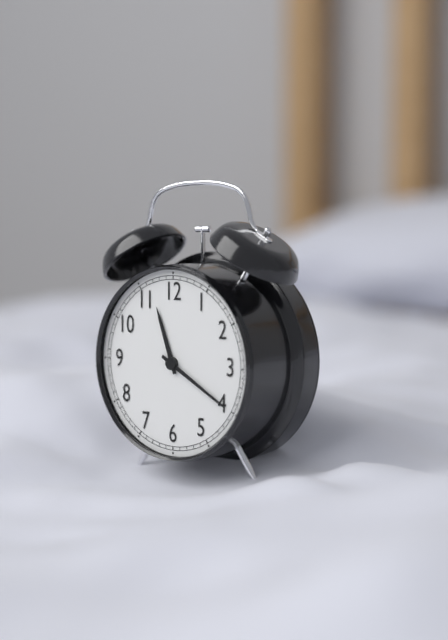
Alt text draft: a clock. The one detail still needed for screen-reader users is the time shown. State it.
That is 11:20
